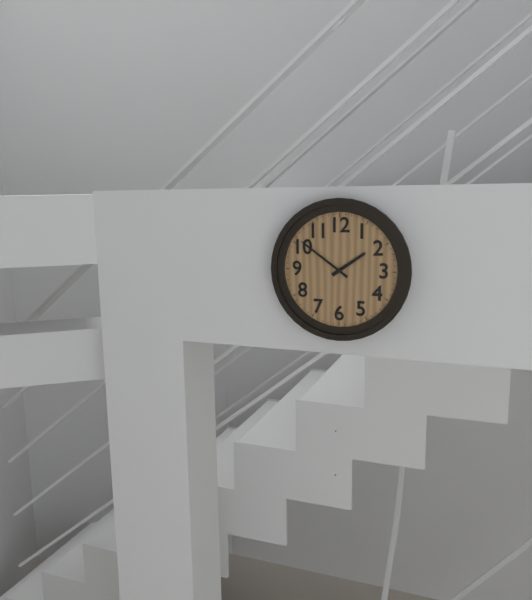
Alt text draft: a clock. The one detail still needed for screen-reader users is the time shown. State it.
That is 1:51
